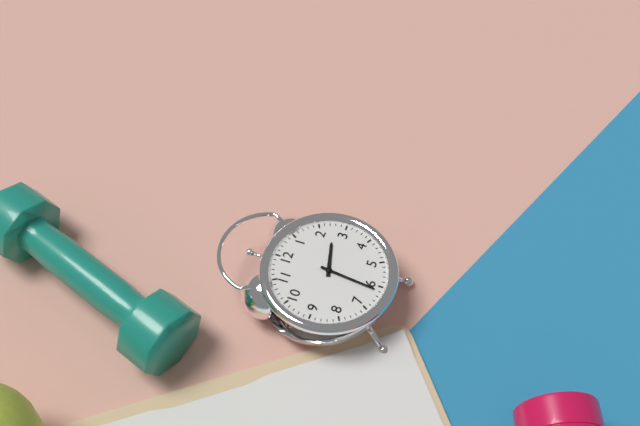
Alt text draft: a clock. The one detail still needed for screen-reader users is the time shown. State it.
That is 2:31
